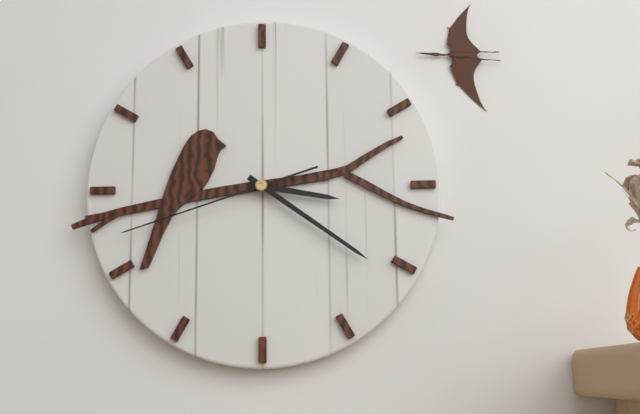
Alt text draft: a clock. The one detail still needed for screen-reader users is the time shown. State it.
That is 3:21:42
